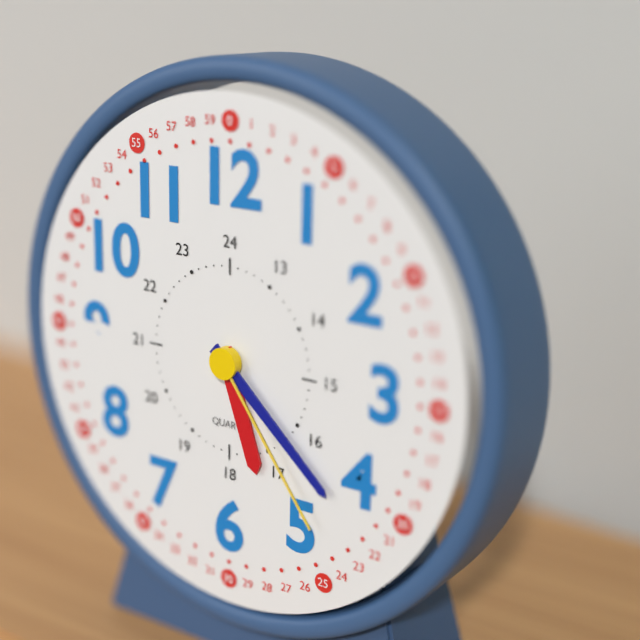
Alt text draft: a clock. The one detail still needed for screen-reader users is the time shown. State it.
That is 5:22:24
